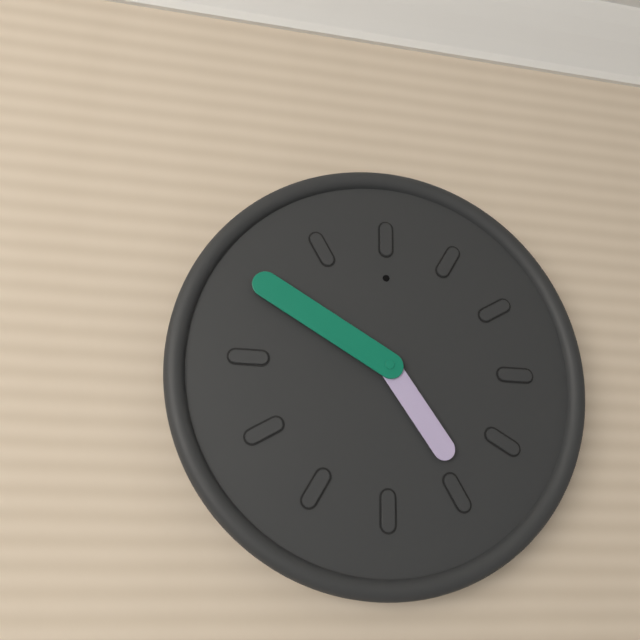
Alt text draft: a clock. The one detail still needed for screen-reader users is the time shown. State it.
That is 4:50
